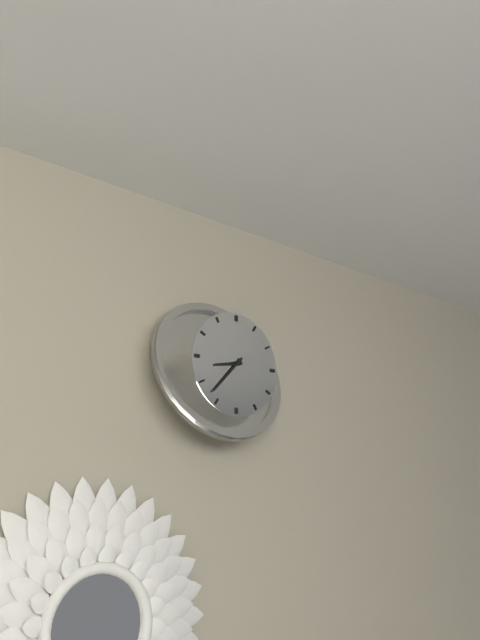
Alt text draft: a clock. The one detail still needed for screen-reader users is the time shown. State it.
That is 8:37
